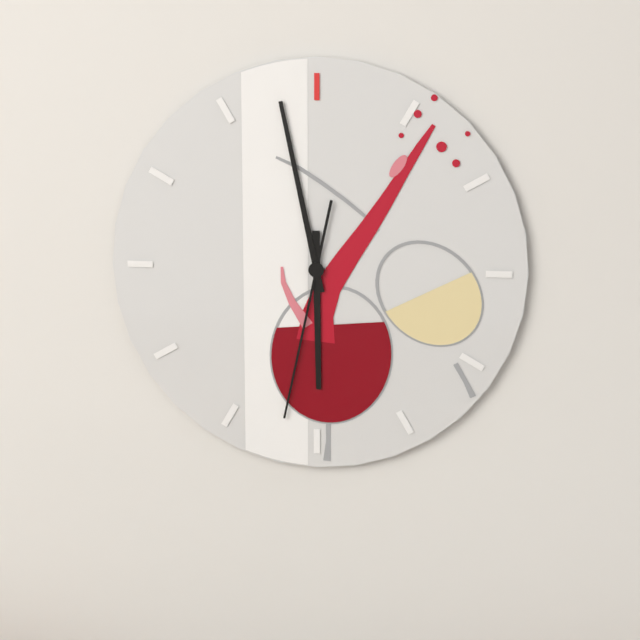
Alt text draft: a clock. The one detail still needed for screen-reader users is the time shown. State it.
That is 5:58:32
